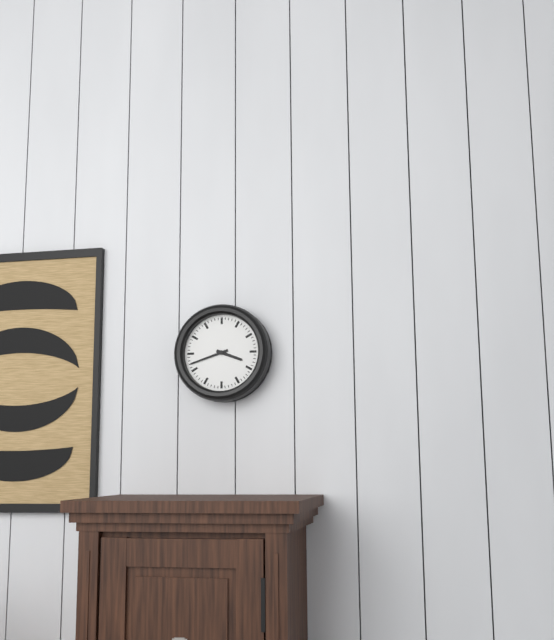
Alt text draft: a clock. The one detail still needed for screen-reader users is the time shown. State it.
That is 3:42
